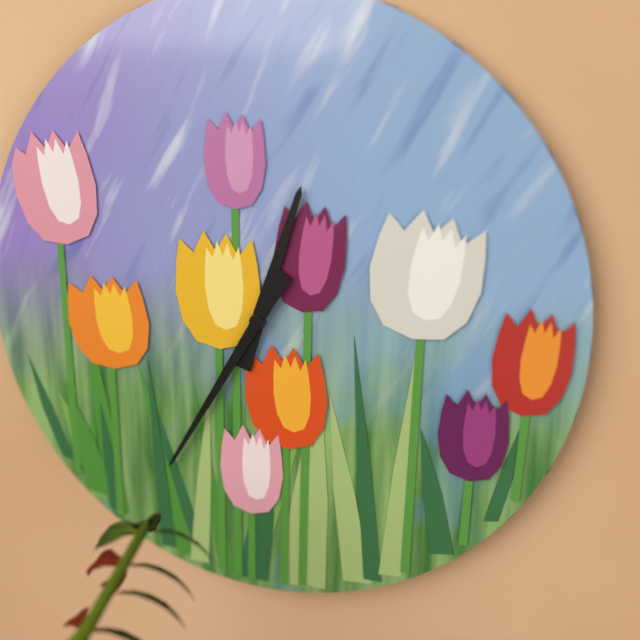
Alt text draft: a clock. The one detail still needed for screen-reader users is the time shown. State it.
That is 12:35
